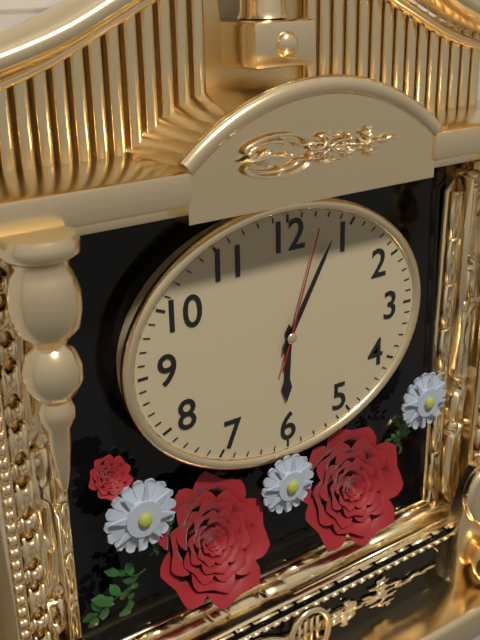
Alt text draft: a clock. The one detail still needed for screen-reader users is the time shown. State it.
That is 6:05:03
